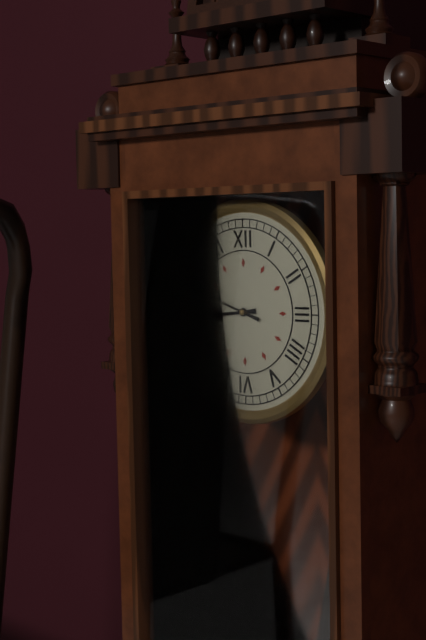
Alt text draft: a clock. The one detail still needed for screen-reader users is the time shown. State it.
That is 8:48
